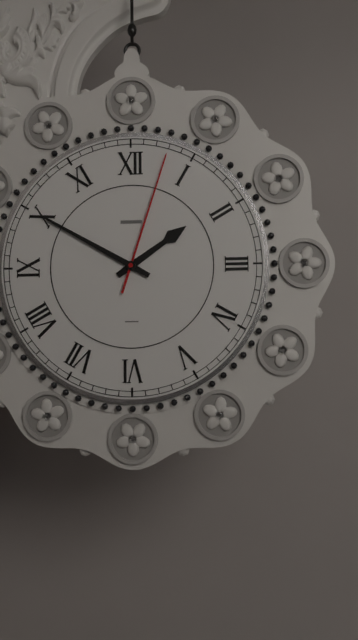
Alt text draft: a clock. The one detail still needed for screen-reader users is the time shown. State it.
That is 1:50:03
